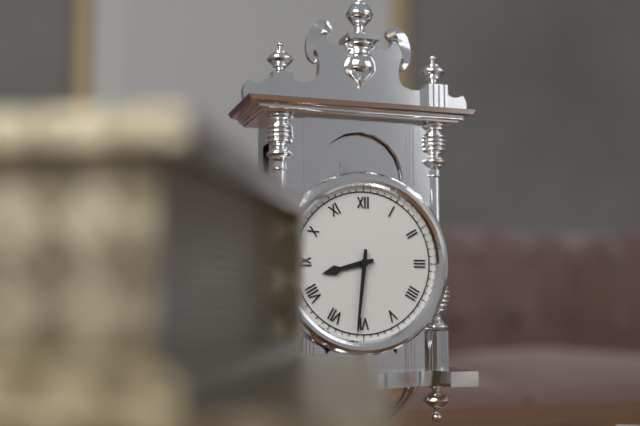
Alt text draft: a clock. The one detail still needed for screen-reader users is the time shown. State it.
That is 8:31
